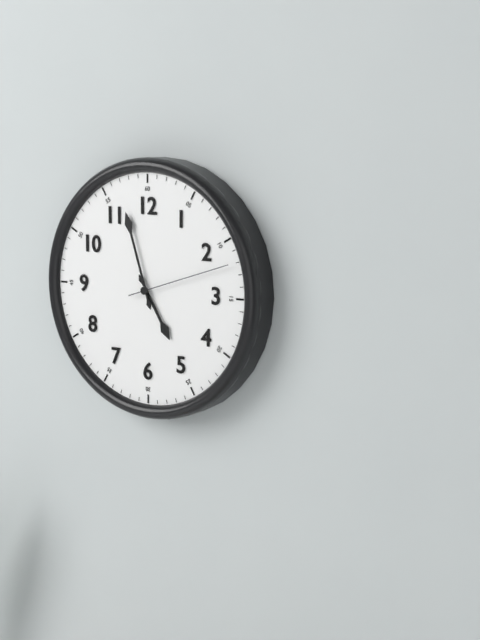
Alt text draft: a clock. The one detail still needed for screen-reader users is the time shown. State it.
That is 4:57:12
